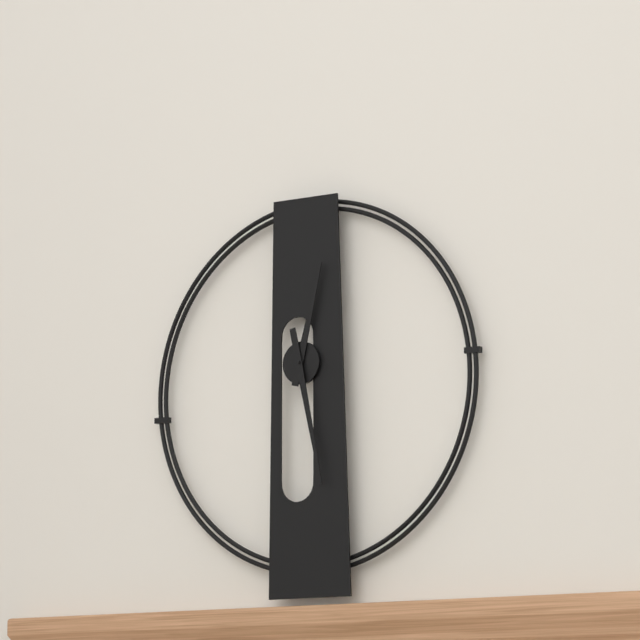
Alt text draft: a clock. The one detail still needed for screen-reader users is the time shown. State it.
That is 12:28
